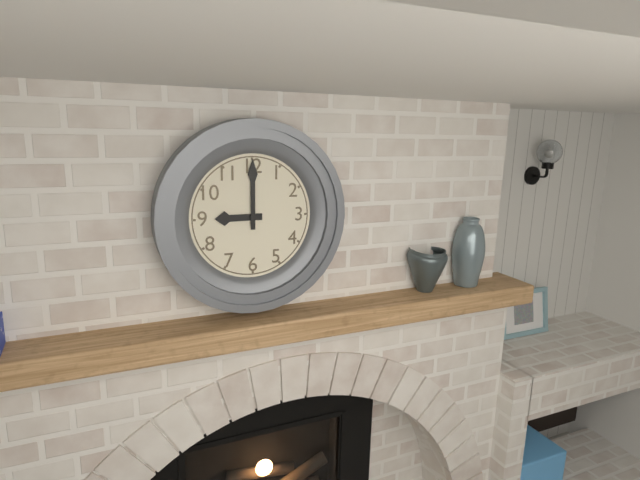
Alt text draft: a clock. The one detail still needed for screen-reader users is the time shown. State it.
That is 9:00
